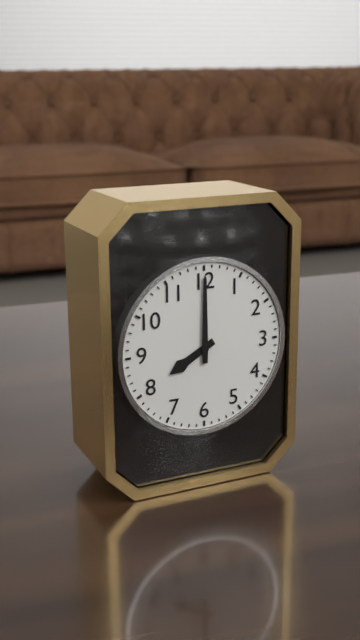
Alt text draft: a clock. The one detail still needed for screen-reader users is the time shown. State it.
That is 8:00
